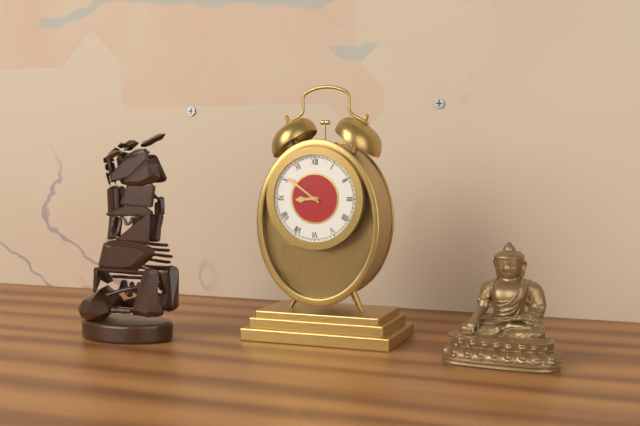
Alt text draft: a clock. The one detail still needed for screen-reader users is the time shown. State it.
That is 8:51
